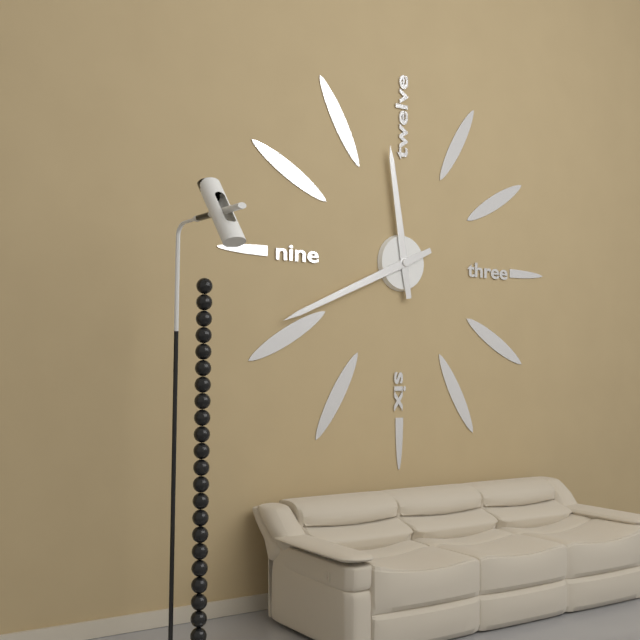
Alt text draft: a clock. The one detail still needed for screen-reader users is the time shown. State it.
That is 11:41
